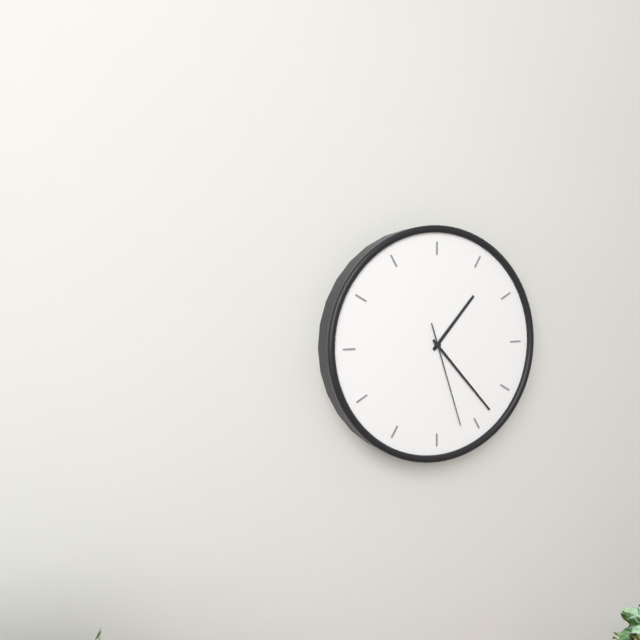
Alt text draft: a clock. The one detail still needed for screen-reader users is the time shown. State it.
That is 1:23:27
